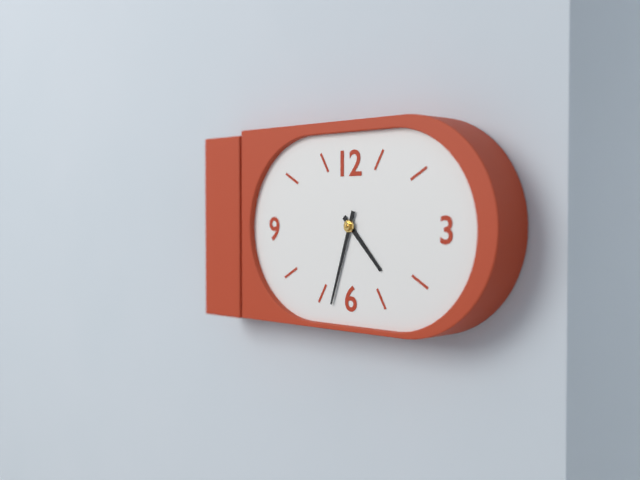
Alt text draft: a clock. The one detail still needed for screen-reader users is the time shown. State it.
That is 4:33
